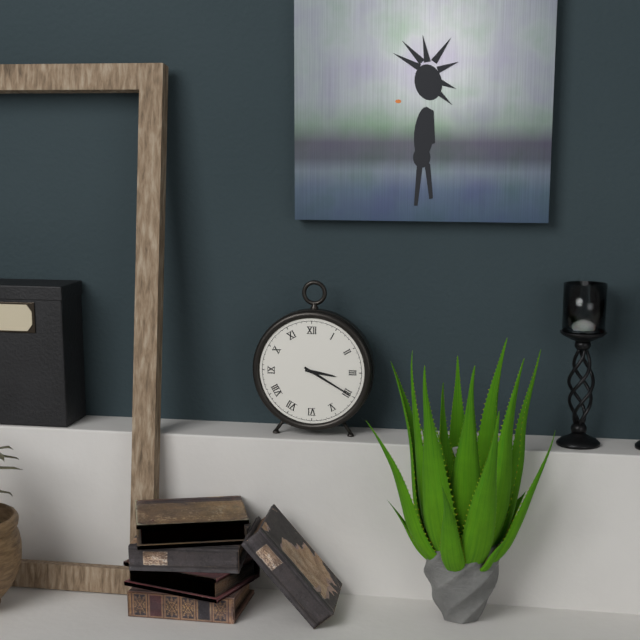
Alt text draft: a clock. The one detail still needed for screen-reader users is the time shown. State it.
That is 3:20
